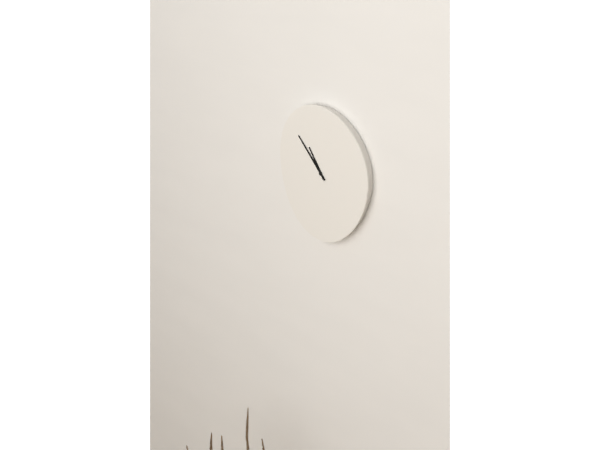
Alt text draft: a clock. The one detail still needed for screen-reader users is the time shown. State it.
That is 10:53
